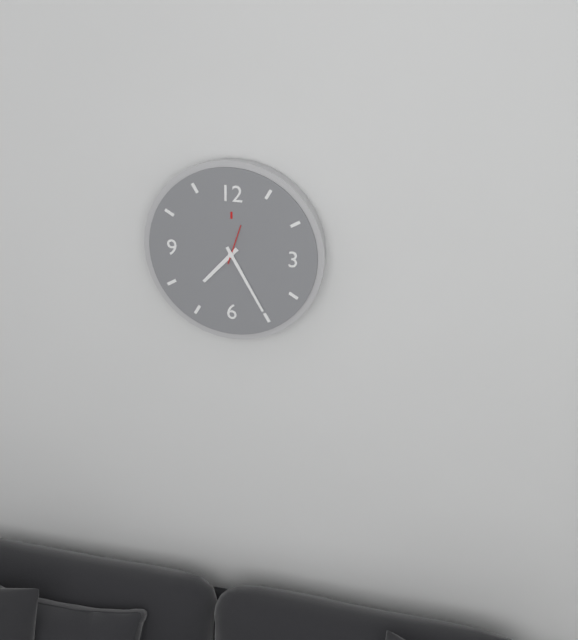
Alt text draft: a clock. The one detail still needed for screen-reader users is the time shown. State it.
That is 7:25
